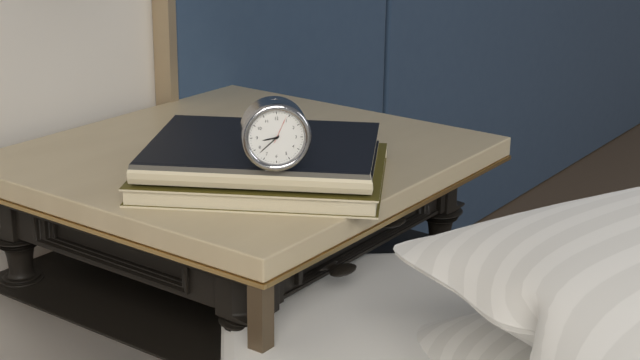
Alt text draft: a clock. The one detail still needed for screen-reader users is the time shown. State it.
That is 8:38
